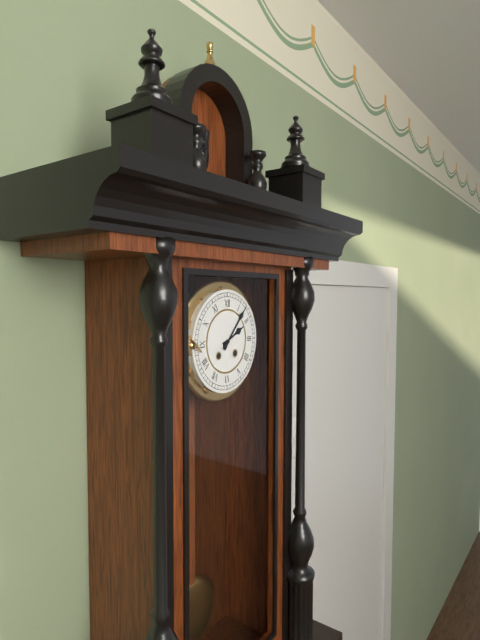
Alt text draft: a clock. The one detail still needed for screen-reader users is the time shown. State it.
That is 2:07
